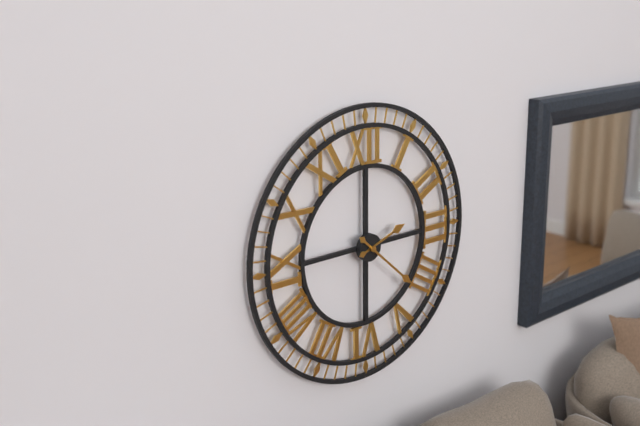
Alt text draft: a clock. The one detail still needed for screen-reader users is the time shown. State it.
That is 2:22
